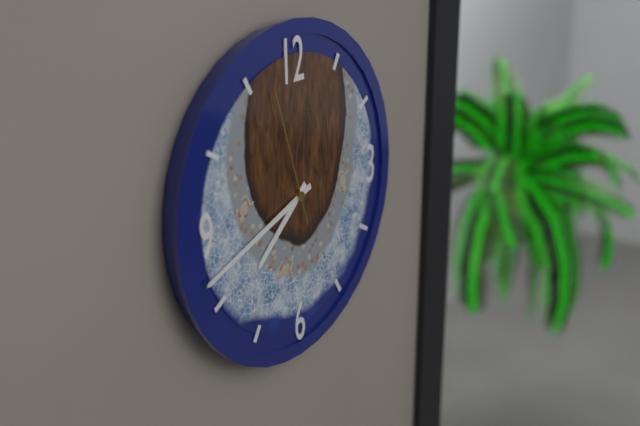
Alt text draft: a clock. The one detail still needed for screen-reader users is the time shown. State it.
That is 7:42:57
